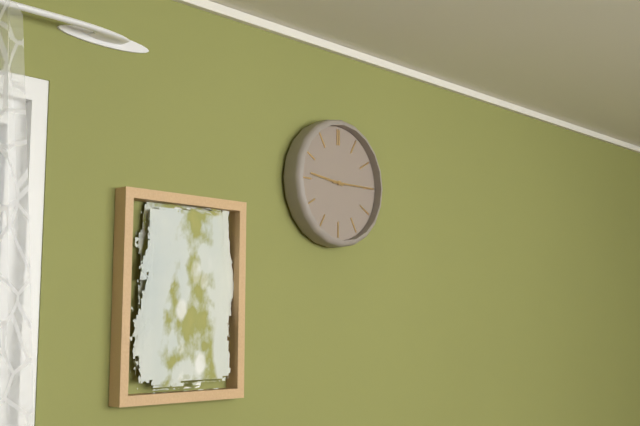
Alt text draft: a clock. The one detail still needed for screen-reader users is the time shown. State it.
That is 9:15
